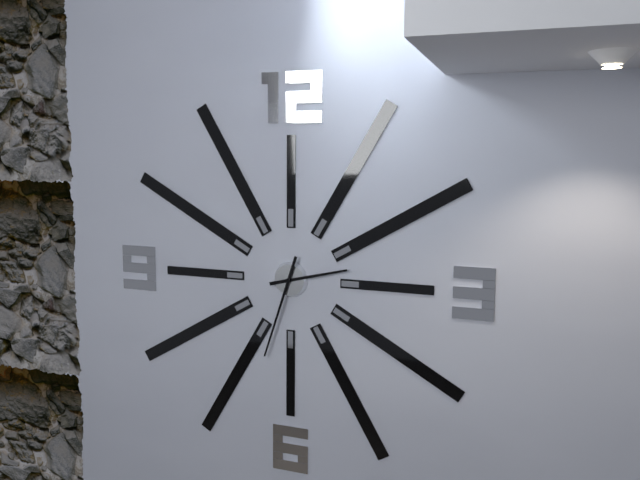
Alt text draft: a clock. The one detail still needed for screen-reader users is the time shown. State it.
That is 2:33
